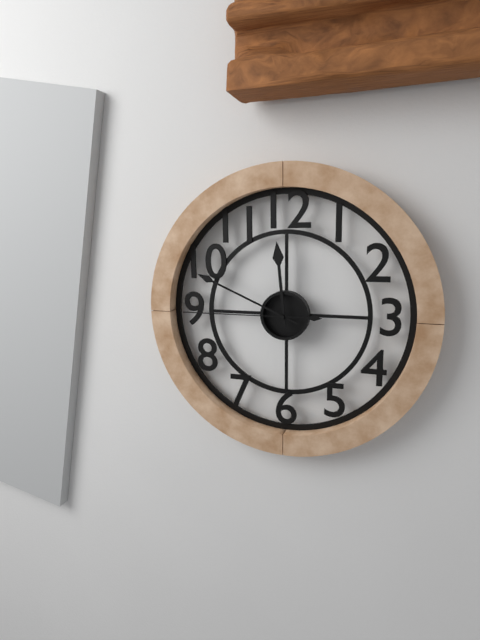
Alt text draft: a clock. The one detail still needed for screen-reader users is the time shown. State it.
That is 11:49:45
